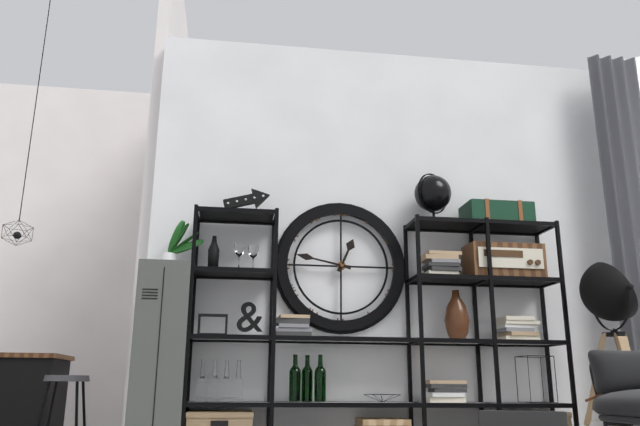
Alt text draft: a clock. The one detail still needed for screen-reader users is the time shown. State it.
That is 12:47
